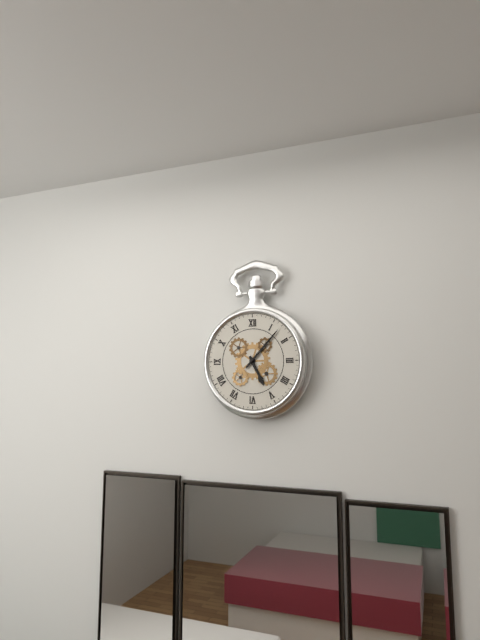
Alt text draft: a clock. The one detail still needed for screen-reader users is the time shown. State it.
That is 5:07
